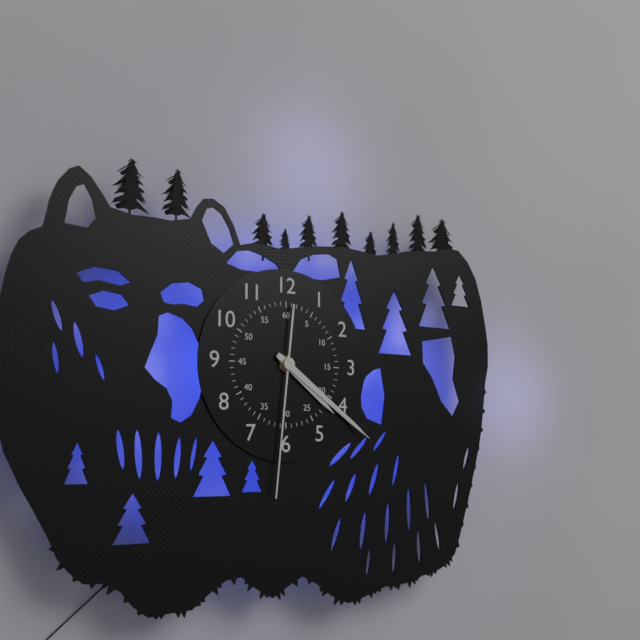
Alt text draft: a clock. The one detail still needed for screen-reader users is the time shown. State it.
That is 4:21:31
